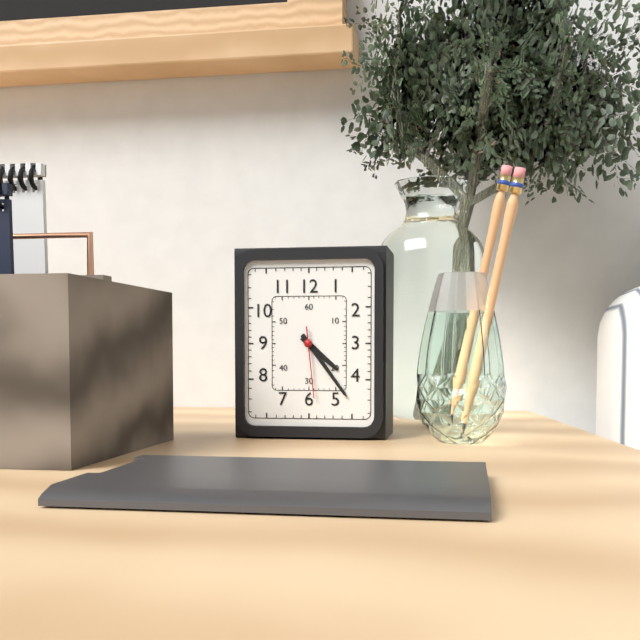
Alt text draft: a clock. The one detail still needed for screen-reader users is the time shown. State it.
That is 4:24:29
